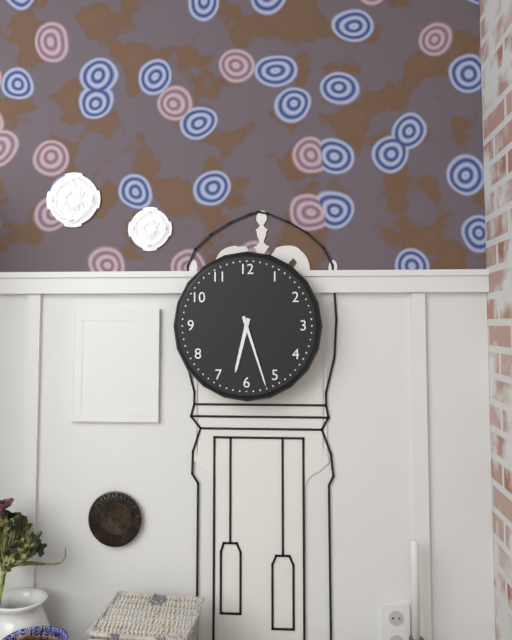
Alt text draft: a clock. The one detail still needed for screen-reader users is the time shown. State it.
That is 6:27
